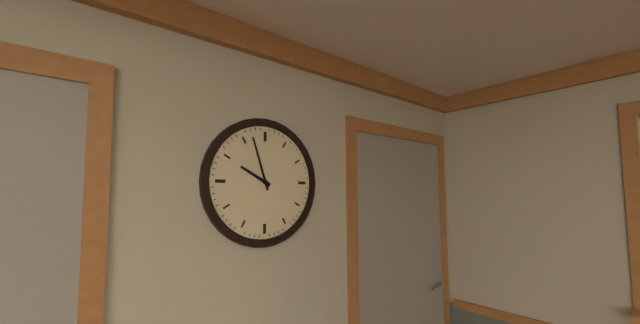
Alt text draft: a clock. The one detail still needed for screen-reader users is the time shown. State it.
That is 9:57
